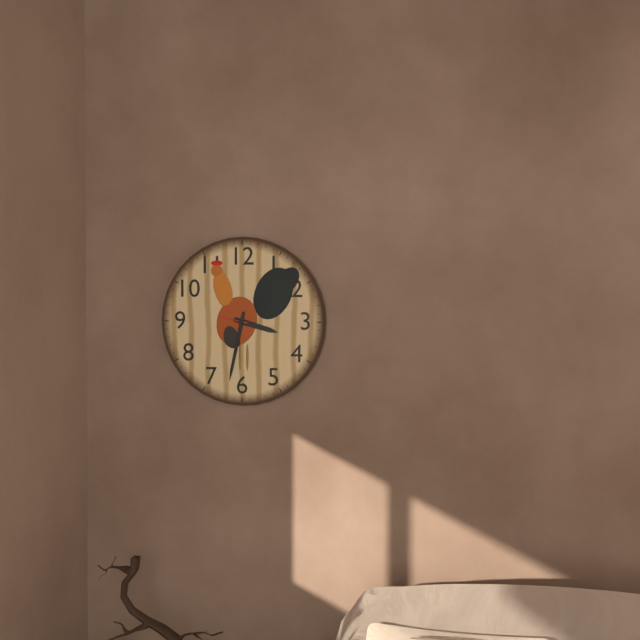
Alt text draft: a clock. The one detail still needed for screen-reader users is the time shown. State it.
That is 3:32
